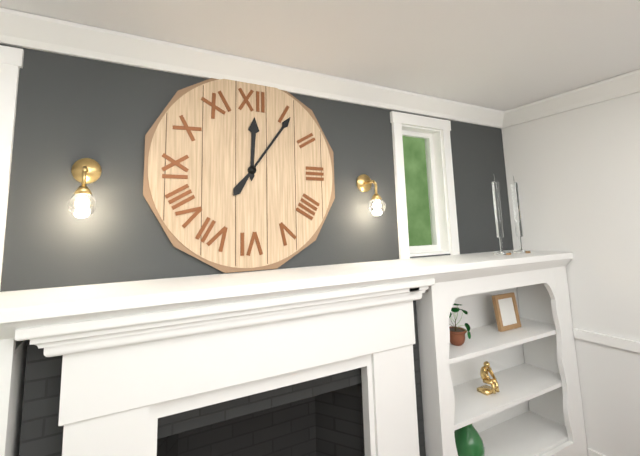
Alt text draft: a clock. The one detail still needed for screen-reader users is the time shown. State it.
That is 12:06
